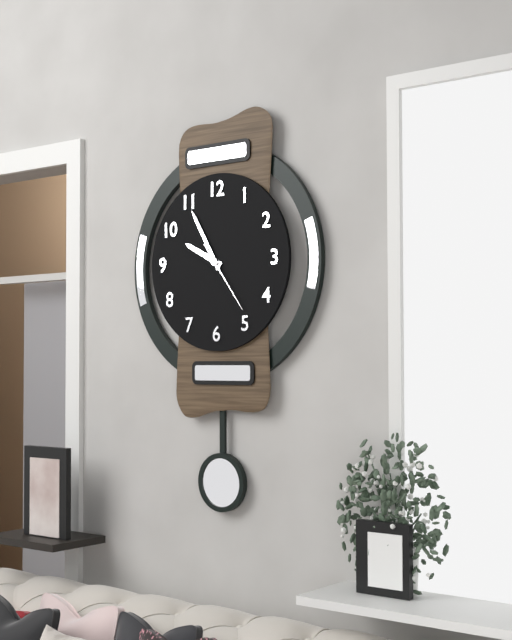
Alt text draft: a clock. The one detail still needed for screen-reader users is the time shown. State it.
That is 9:55:24
